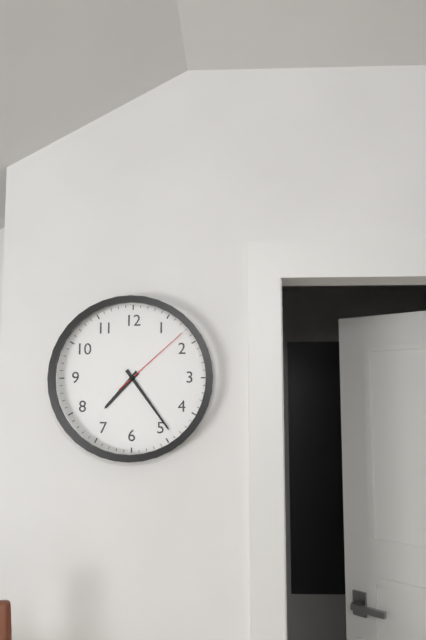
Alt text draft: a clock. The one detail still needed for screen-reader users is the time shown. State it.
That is 7:24:08
